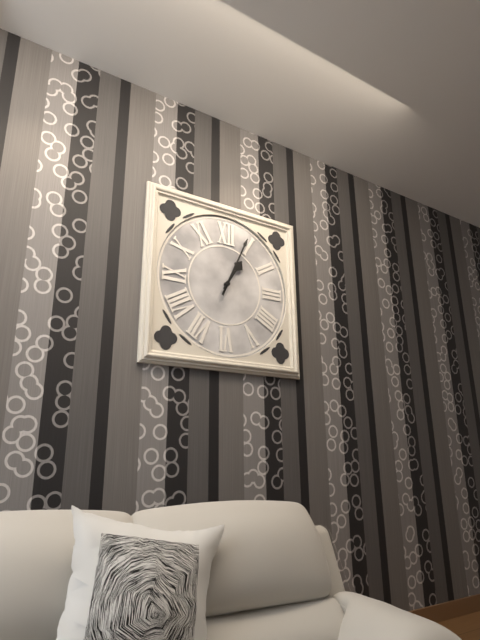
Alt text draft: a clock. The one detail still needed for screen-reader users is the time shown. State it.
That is 1:04
